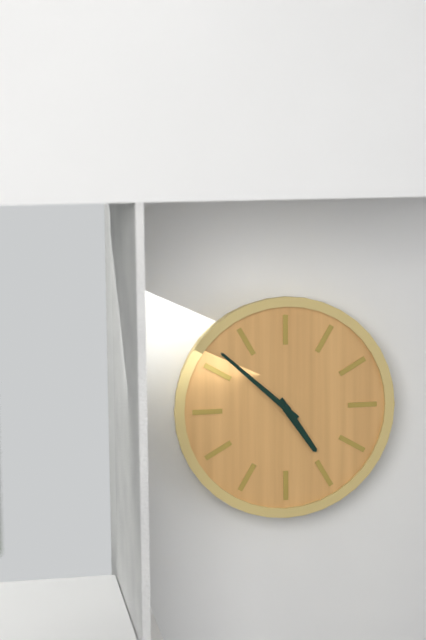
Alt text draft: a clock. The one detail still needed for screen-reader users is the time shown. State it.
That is 4:52
